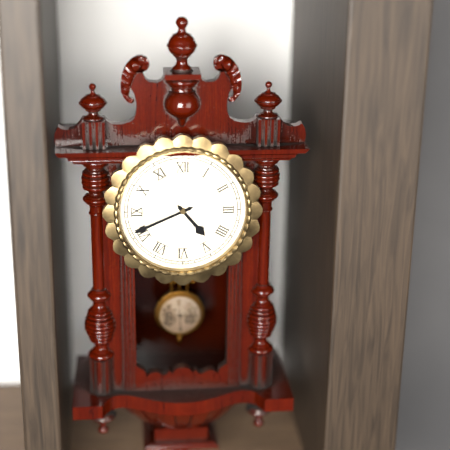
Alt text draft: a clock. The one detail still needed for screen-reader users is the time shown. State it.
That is 4:41
